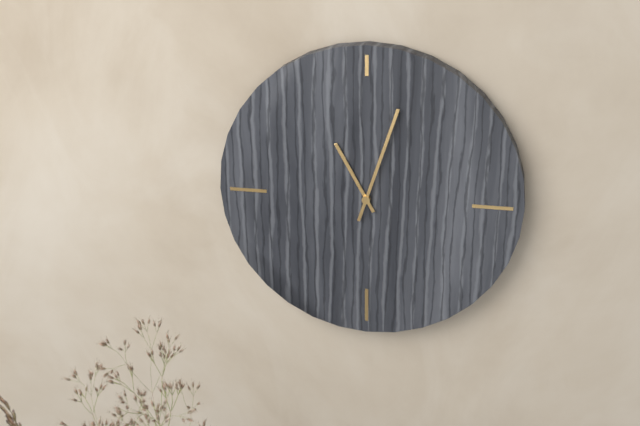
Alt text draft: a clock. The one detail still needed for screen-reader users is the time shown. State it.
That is 11:03
